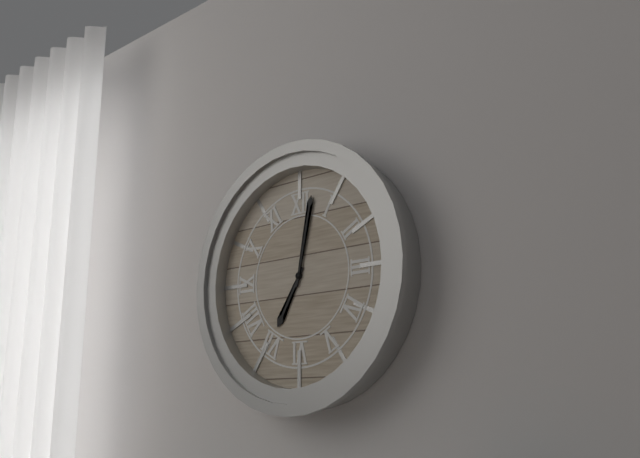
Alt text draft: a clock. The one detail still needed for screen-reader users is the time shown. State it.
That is 7:02
